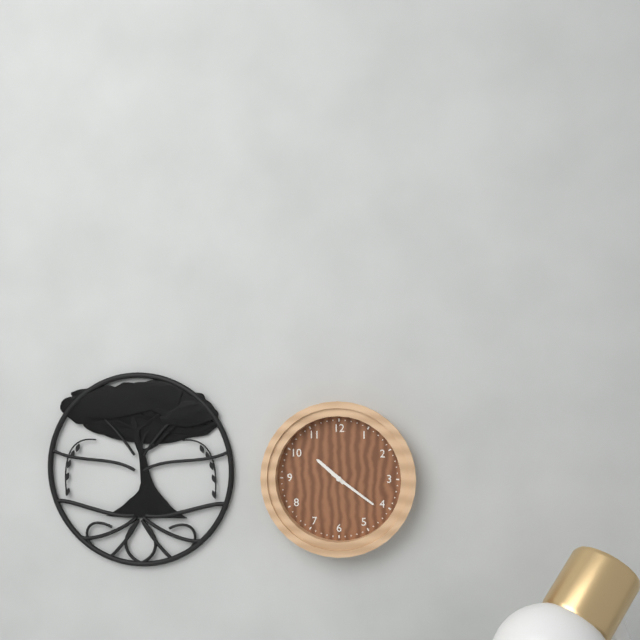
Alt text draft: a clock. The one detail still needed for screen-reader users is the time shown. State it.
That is 10:21
